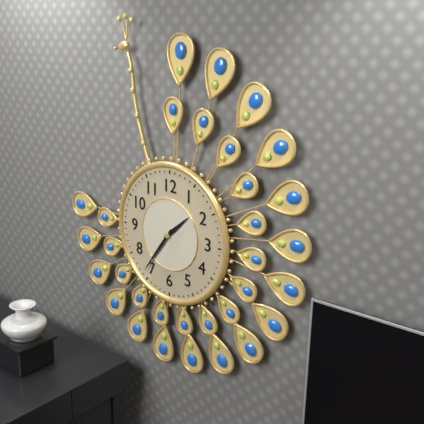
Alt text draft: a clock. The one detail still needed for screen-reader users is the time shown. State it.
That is 1:36
